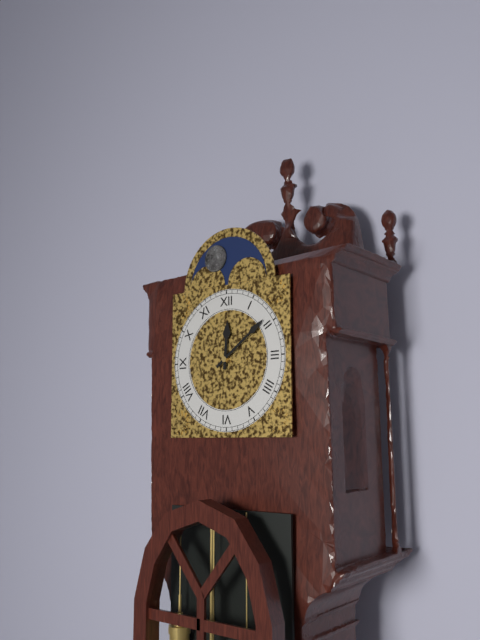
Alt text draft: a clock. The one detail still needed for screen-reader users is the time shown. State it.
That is 12:09
